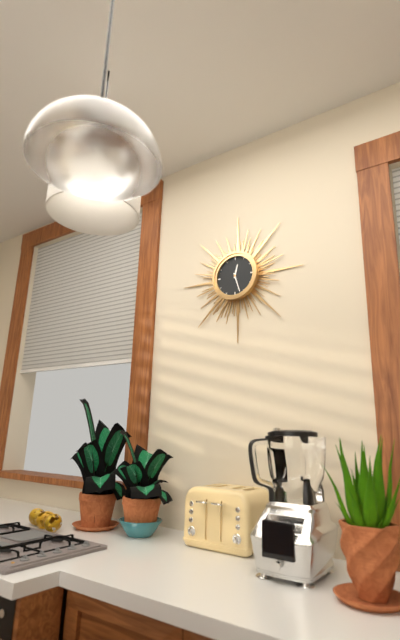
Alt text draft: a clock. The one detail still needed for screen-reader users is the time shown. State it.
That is 12:27
